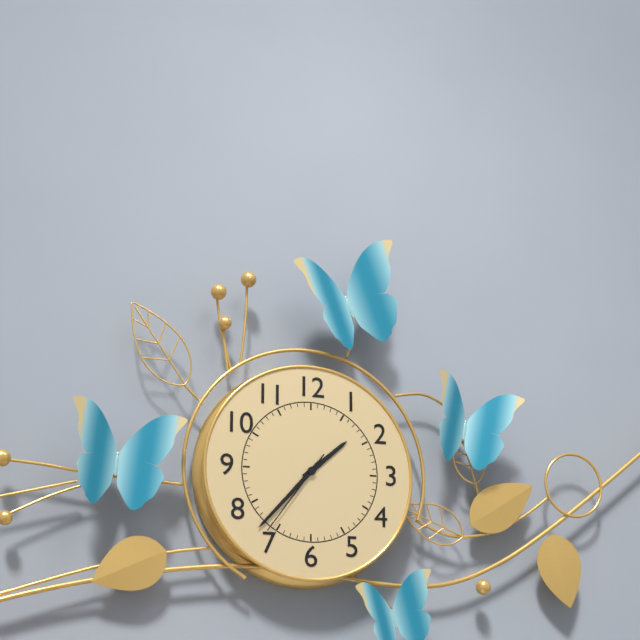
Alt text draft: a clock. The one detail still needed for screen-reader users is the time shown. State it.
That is 1:37:36
